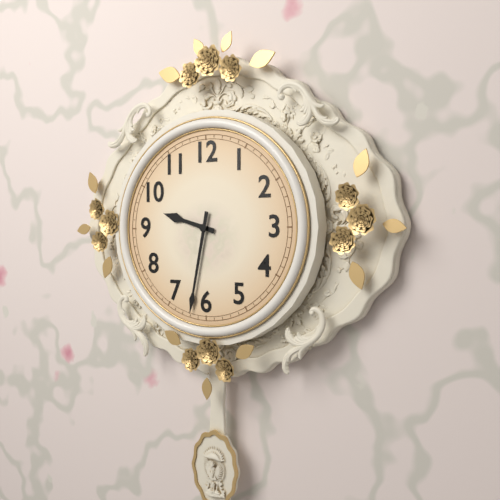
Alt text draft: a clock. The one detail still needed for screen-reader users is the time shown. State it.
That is 9:32
